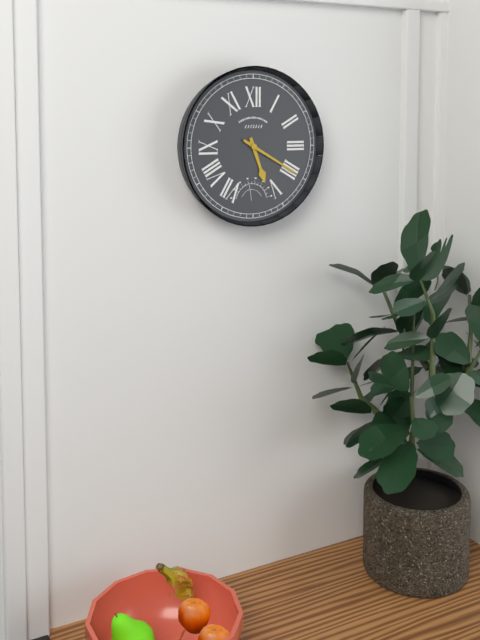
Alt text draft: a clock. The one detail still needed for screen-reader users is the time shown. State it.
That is 5:20
